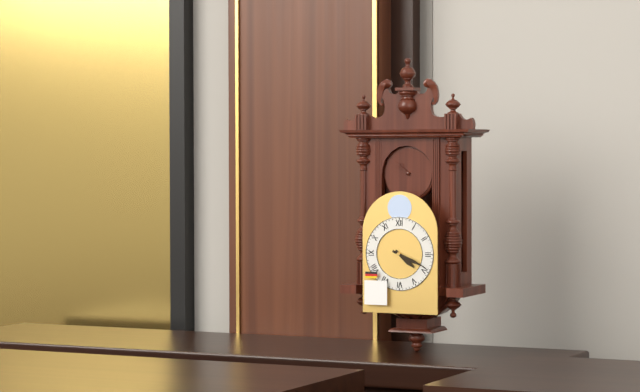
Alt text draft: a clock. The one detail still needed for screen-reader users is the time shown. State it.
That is 4:19
